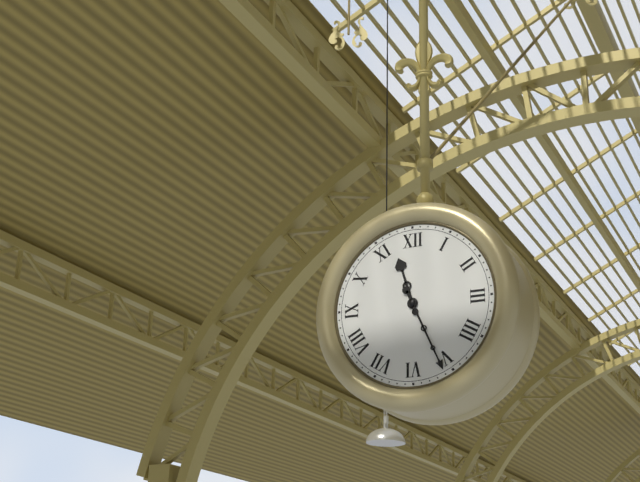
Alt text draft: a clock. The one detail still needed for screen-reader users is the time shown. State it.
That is 11:26
